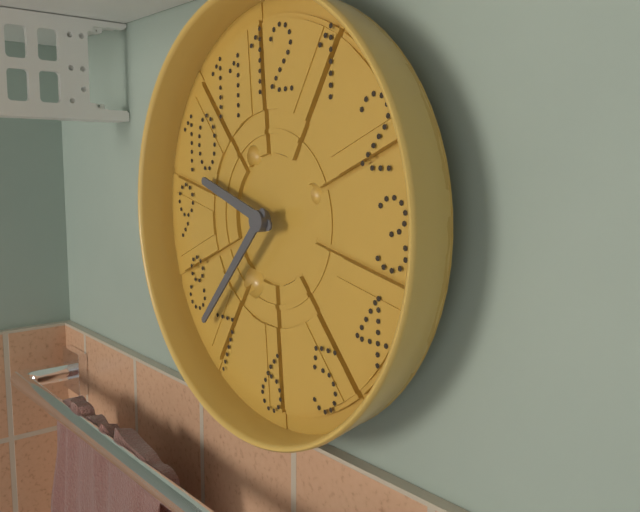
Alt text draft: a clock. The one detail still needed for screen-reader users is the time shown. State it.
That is 9:37
